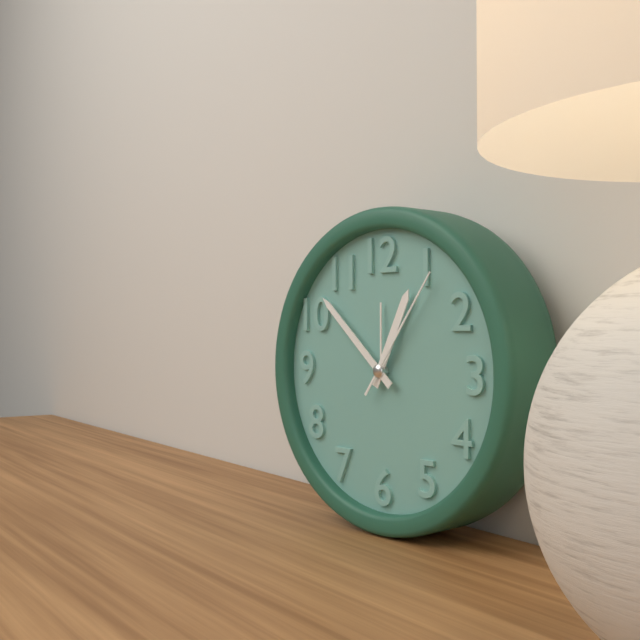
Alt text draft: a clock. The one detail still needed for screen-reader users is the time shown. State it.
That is 12:52:06
